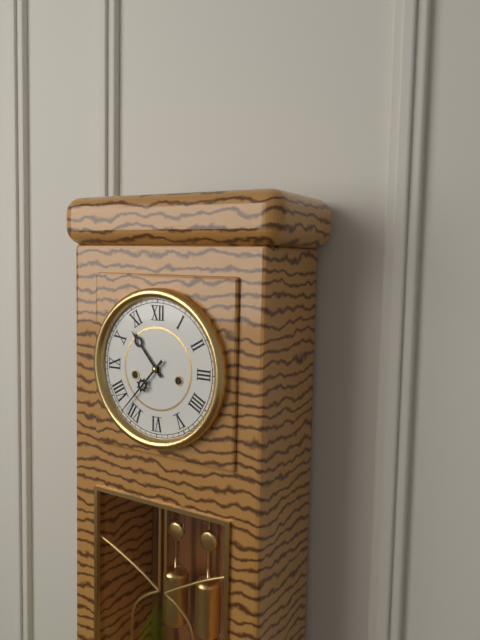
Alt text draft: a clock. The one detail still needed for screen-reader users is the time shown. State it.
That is 10:37
